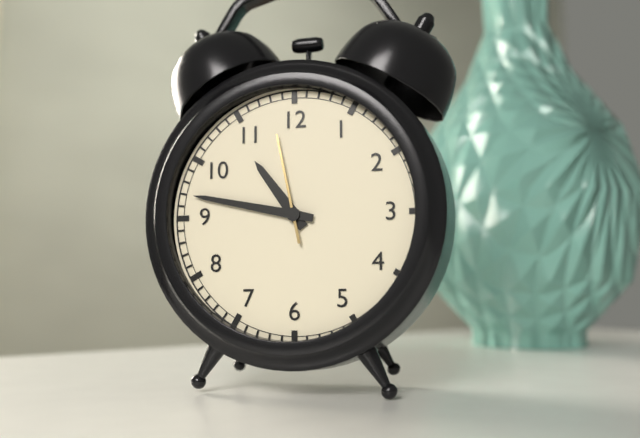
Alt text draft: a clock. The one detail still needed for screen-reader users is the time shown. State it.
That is 10:47:58
